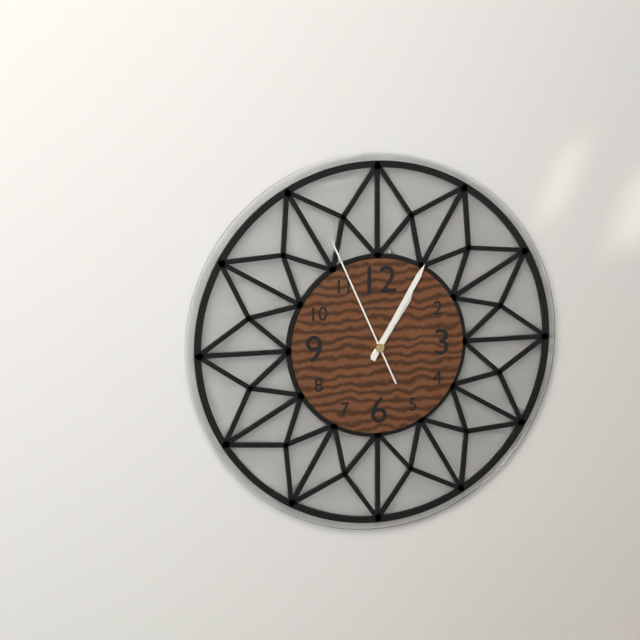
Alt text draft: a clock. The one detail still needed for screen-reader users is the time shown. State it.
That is 1:05:56
